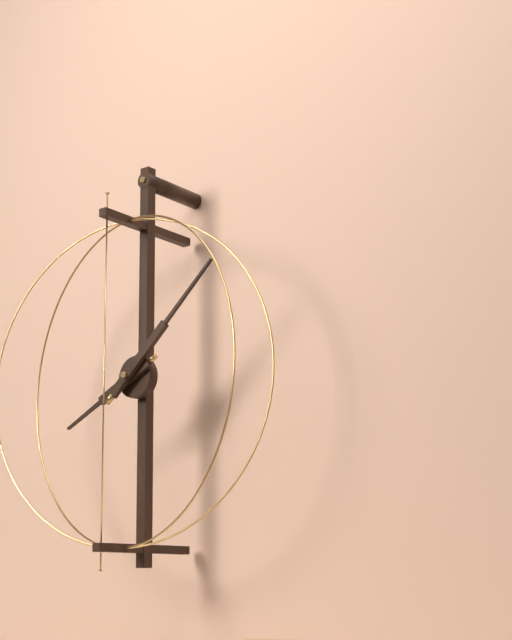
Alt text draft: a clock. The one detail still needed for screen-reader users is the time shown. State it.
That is 8:08
